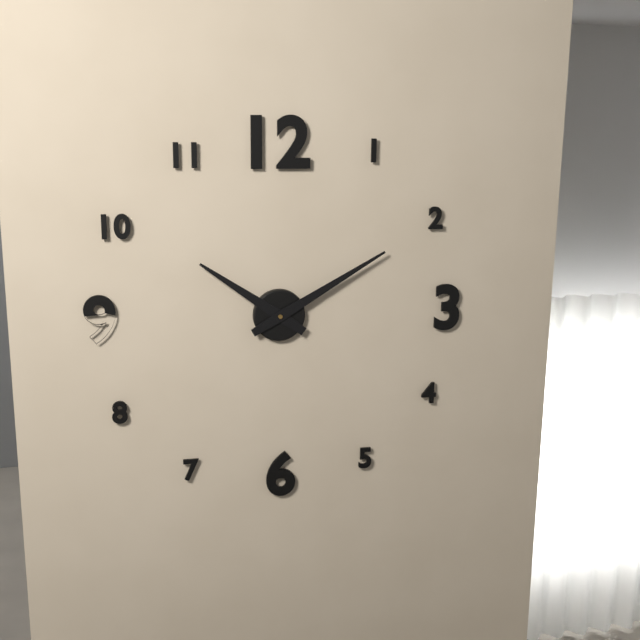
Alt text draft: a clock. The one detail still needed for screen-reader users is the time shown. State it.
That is 10:10
